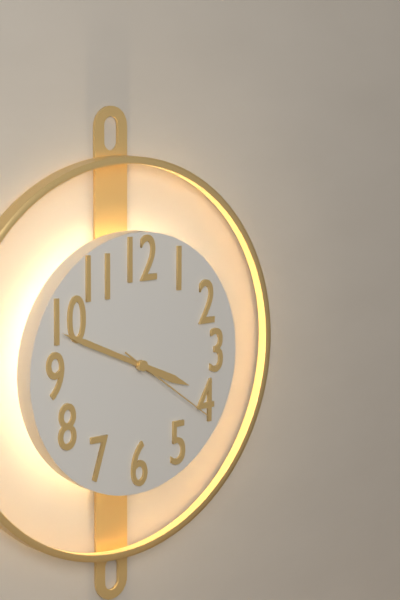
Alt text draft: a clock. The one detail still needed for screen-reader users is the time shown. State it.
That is 3:49:21
